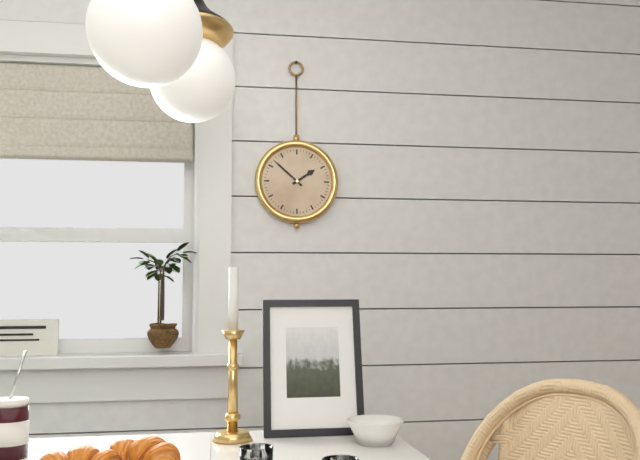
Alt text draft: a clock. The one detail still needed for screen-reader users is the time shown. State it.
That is 1:52
